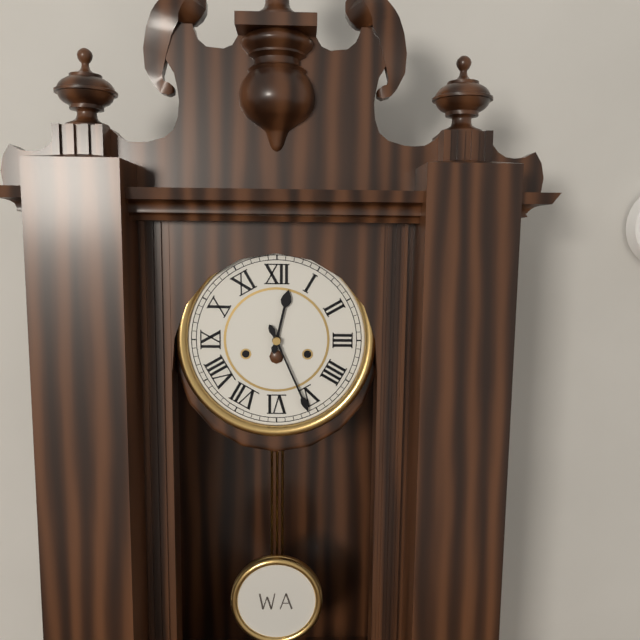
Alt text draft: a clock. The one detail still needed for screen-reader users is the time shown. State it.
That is 12:26
